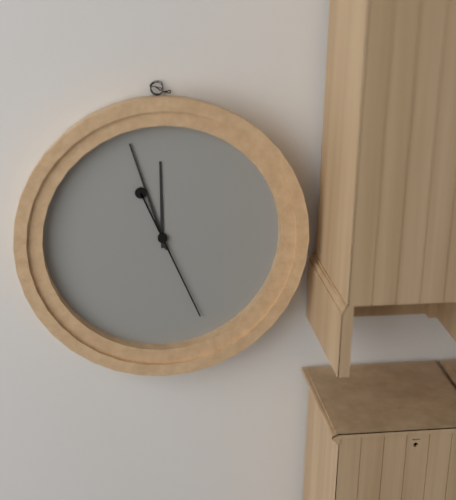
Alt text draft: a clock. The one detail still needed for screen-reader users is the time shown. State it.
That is 11:57:26
